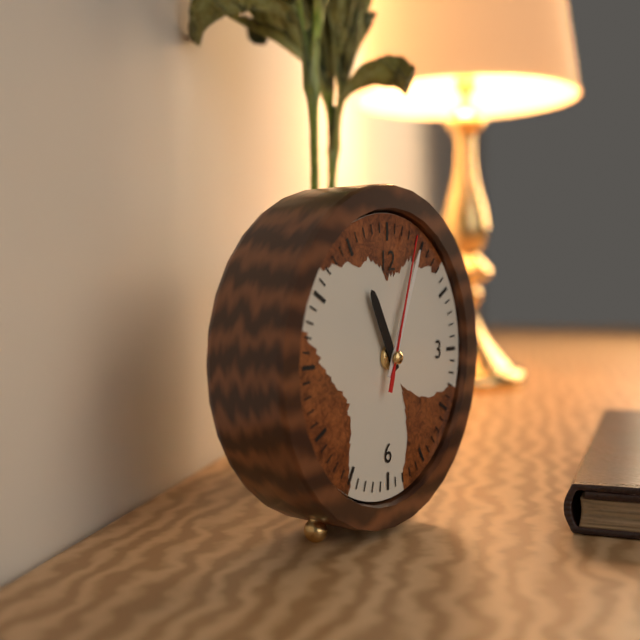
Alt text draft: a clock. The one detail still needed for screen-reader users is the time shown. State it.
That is 11:04:03
